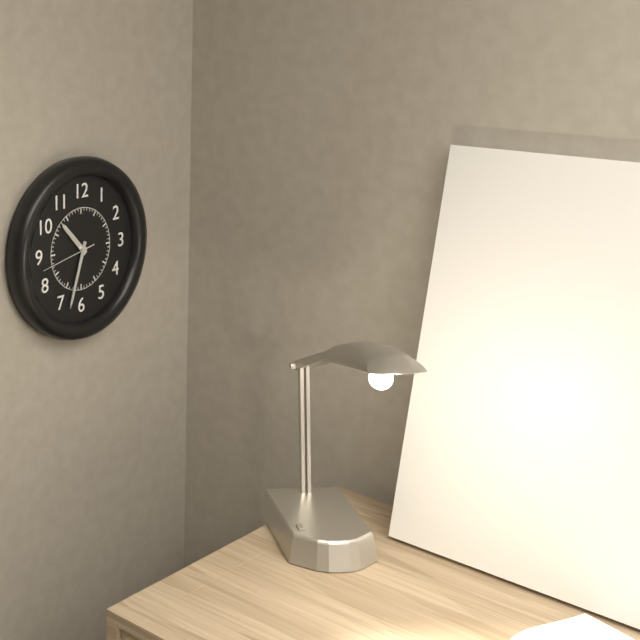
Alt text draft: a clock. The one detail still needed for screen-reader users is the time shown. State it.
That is 10:33
